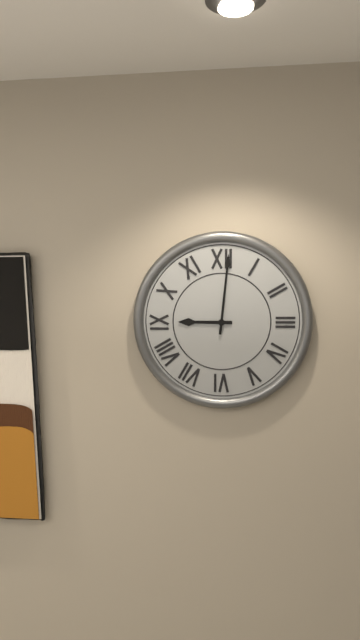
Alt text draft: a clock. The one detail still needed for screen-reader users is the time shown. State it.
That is 9:01
